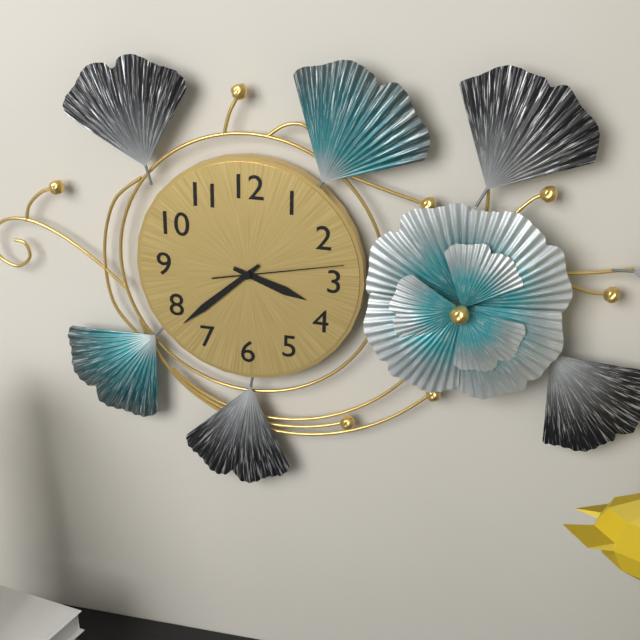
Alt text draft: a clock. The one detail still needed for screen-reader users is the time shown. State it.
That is 3:38:13
